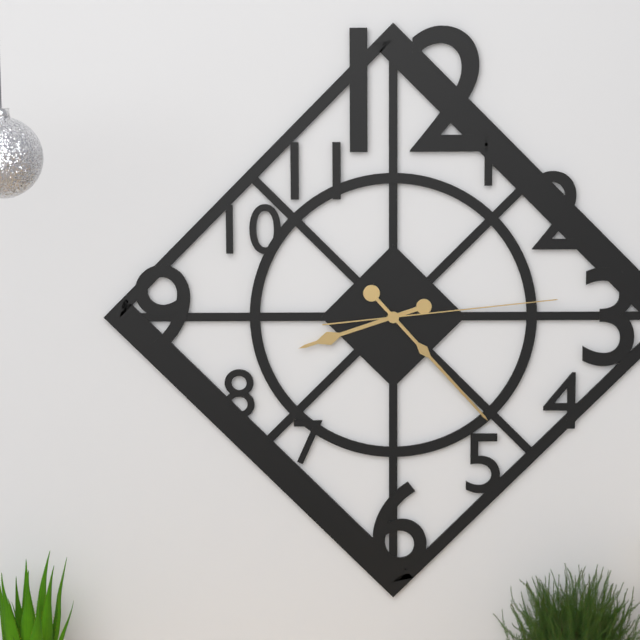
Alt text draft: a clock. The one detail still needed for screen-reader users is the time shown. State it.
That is 8:23:14
